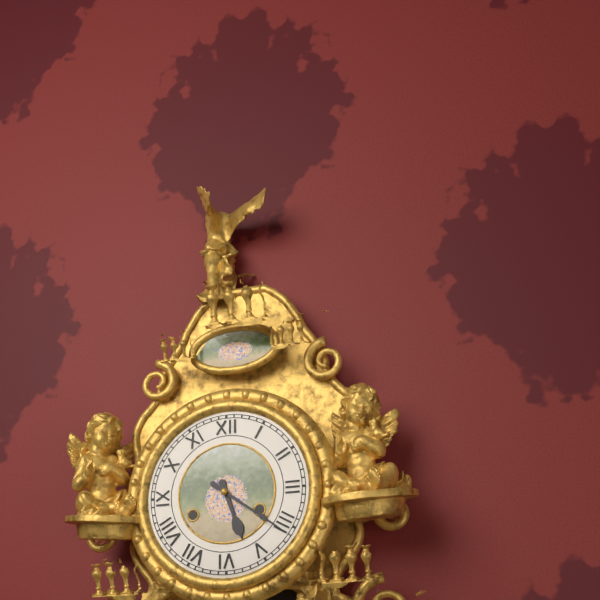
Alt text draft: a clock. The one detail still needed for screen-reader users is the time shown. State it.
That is 5:21
